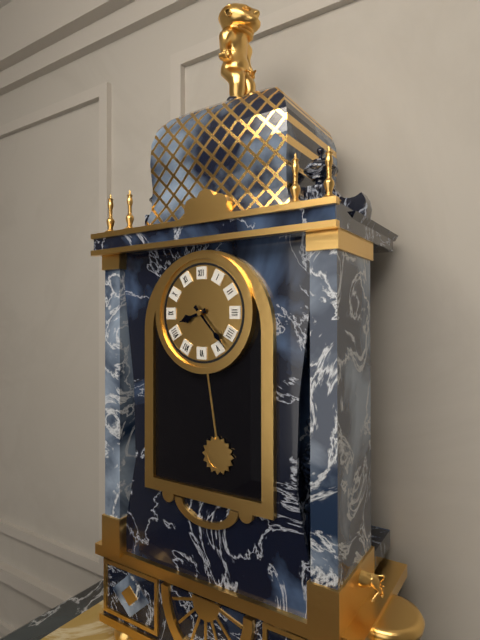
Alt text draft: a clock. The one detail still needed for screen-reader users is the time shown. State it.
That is 8:23
